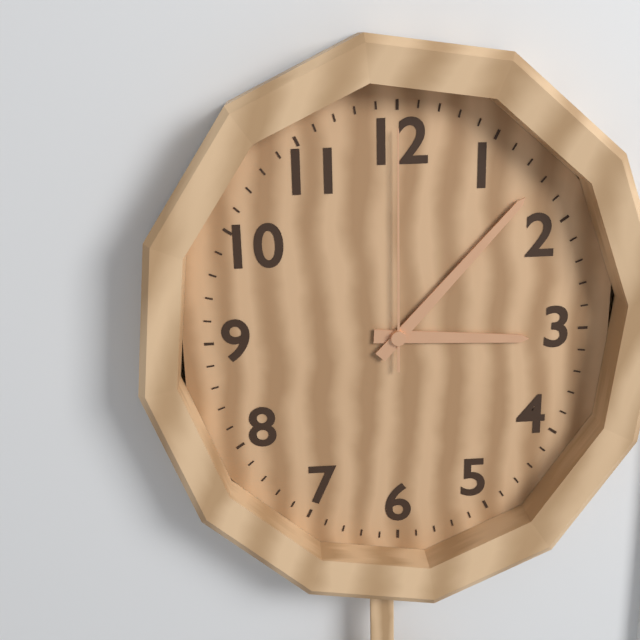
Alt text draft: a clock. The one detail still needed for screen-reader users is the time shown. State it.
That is 3:07:00
